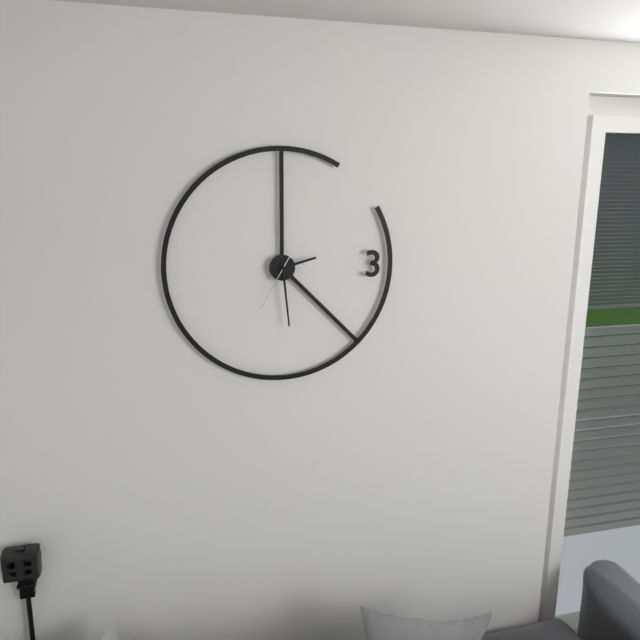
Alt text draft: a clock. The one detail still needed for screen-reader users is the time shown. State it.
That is 2:29:35
